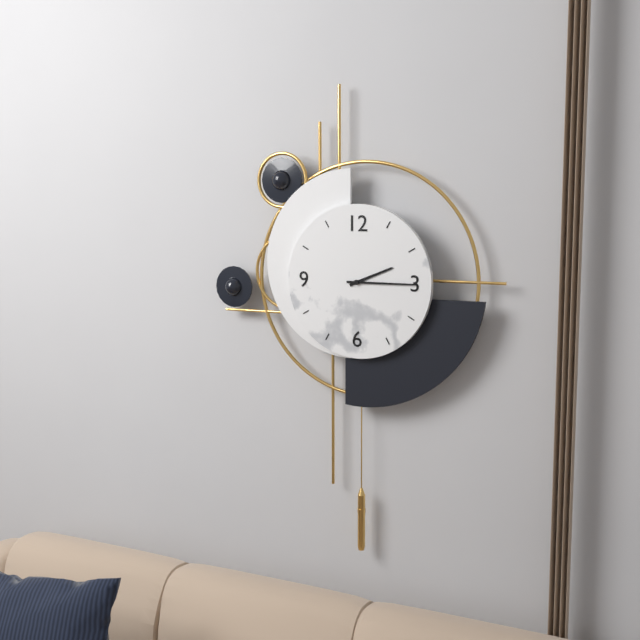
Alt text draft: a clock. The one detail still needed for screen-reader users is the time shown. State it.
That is 2:15
